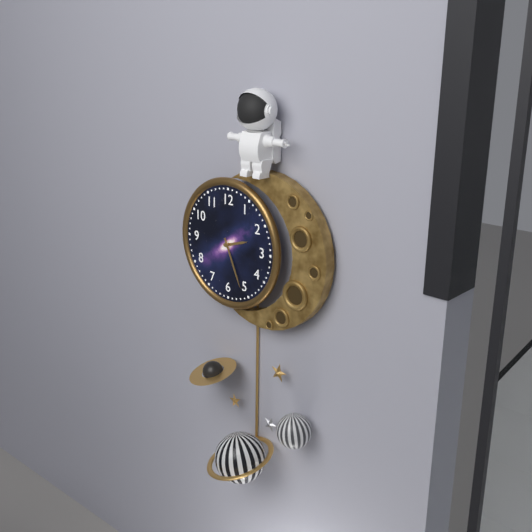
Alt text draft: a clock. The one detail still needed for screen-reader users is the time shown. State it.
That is 2:26
